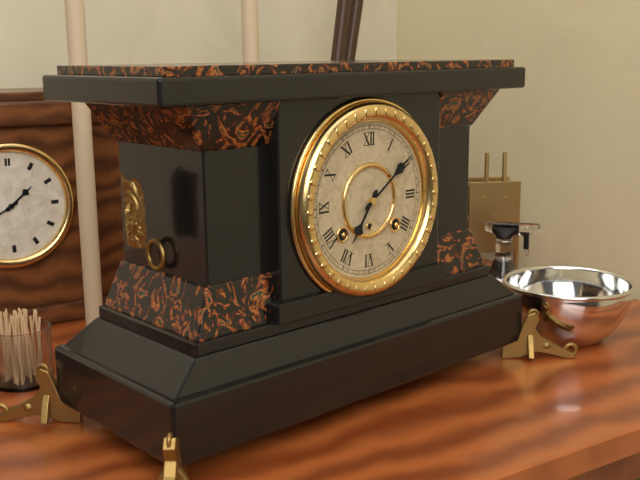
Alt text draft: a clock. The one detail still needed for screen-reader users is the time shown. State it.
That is 7:09
